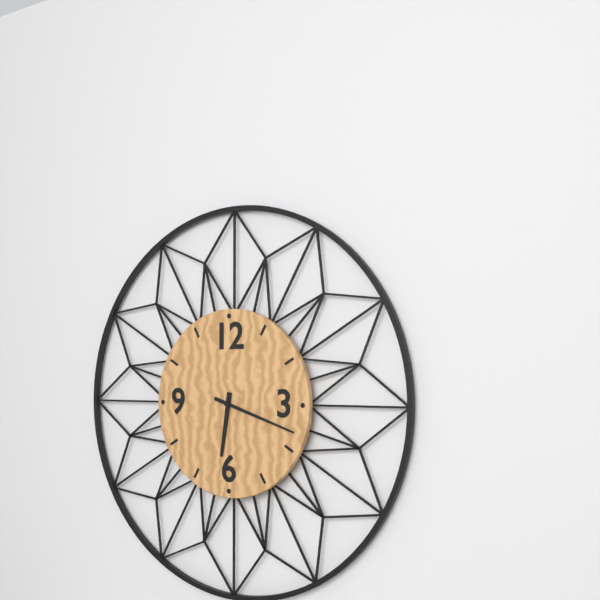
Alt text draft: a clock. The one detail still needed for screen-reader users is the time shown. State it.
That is 6:18
